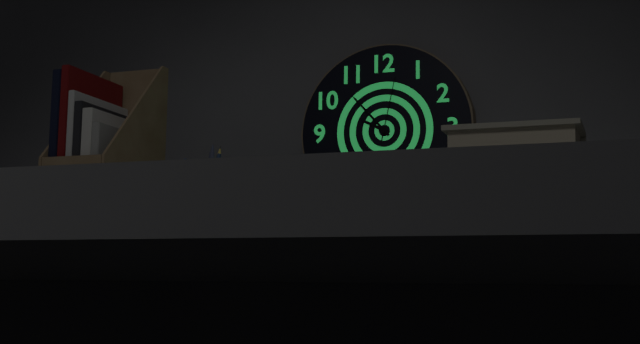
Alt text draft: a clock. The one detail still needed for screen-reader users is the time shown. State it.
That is 9:53:02
